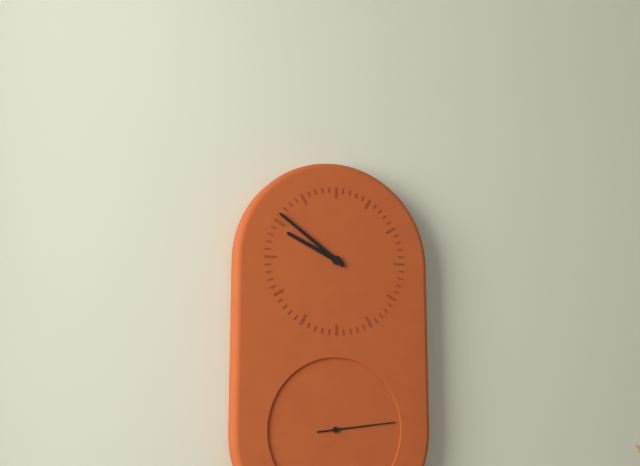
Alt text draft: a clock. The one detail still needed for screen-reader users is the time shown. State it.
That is 9:51:14
